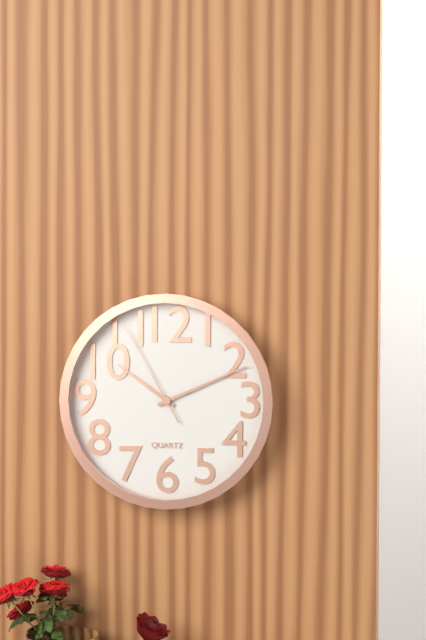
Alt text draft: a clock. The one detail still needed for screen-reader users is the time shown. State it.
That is 10:11:55
